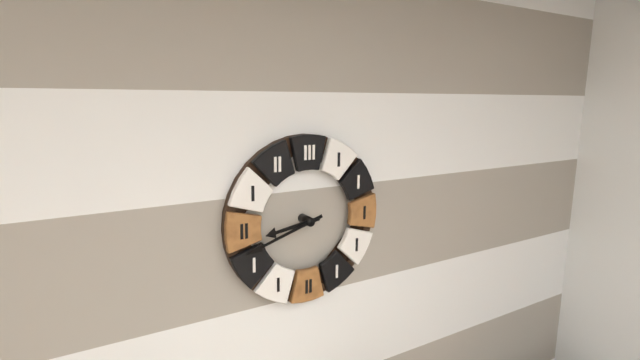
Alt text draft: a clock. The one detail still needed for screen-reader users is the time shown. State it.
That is 8:42
